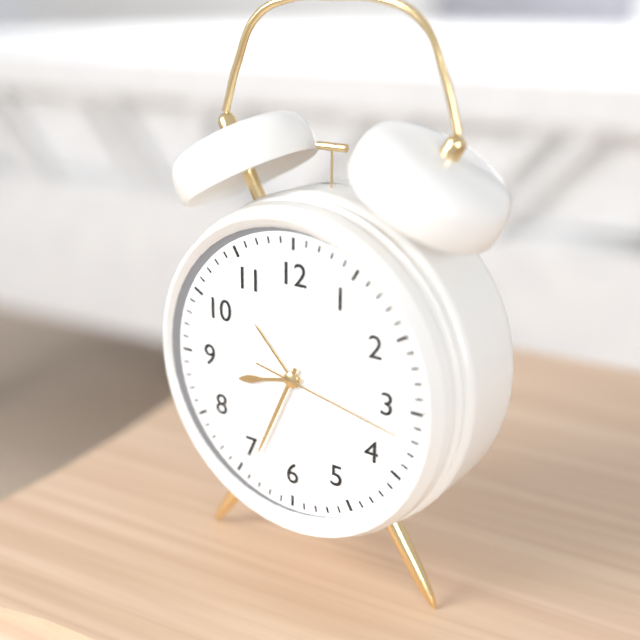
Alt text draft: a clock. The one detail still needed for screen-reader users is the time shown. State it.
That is 8:34:17
